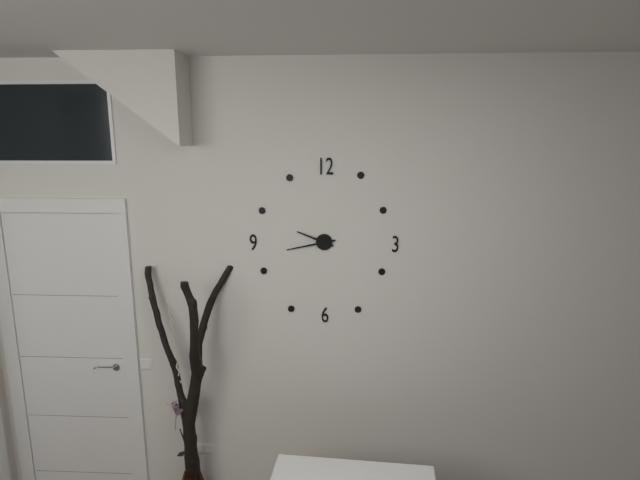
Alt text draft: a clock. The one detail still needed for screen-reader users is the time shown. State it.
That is 9:43
